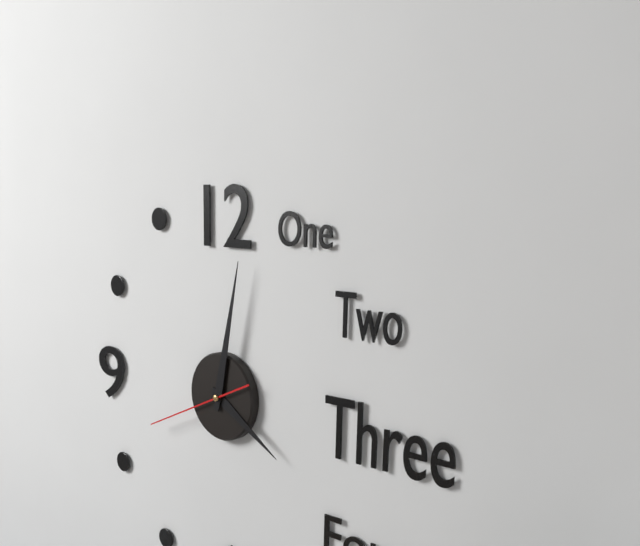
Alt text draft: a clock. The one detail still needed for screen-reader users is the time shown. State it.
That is 4:02:41
